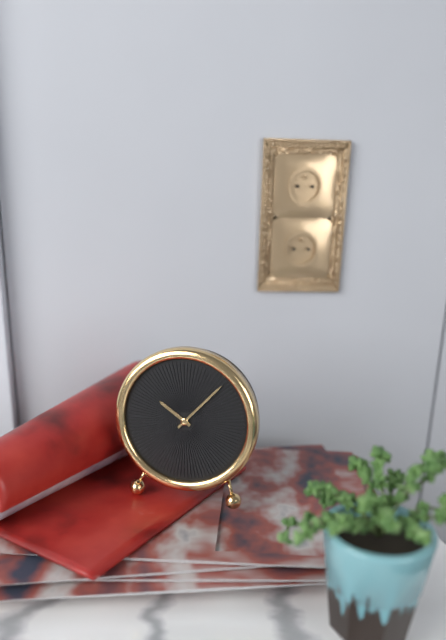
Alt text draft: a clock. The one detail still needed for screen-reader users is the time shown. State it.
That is 10:07
